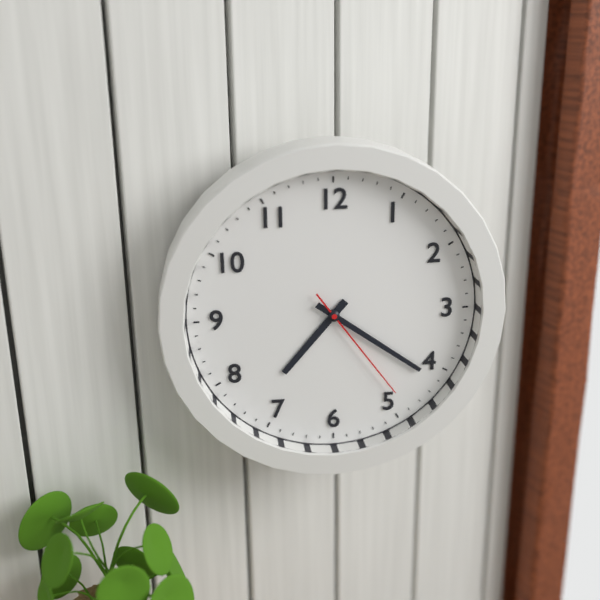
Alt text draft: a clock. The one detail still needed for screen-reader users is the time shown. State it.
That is 7:21:24
